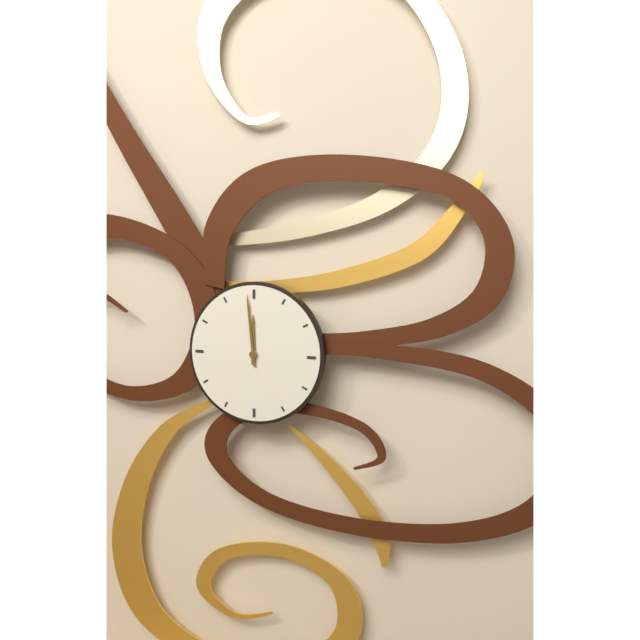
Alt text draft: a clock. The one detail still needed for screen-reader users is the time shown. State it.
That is 11:59
